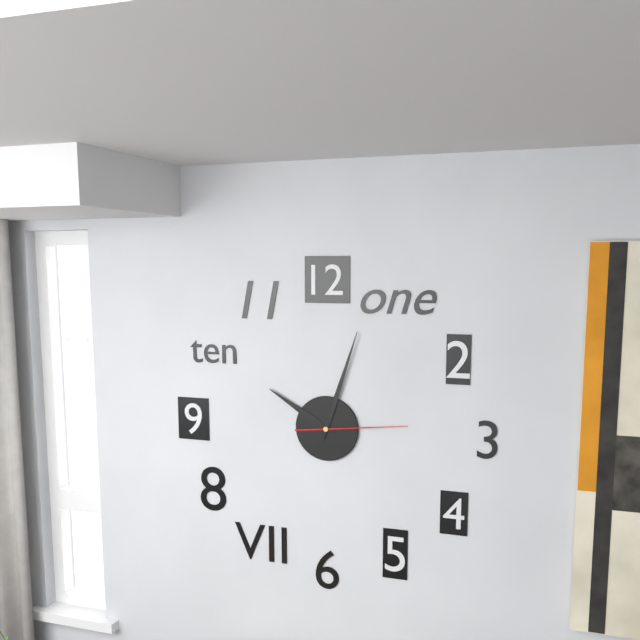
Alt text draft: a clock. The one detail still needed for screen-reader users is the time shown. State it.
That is 10:03:14
